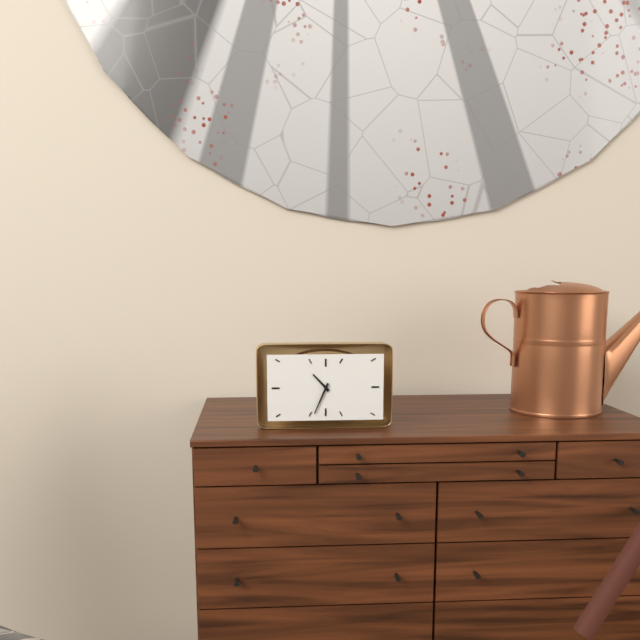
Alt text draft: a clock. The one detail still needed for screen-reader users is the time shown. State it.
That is 10:34
